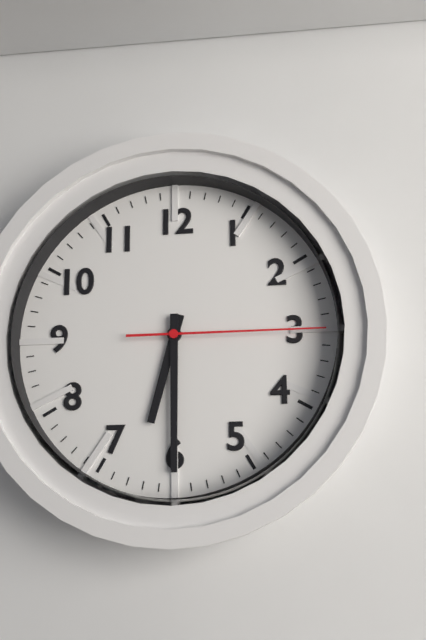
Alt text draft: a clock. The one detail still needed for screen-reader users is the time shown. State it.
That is 6:30:15
